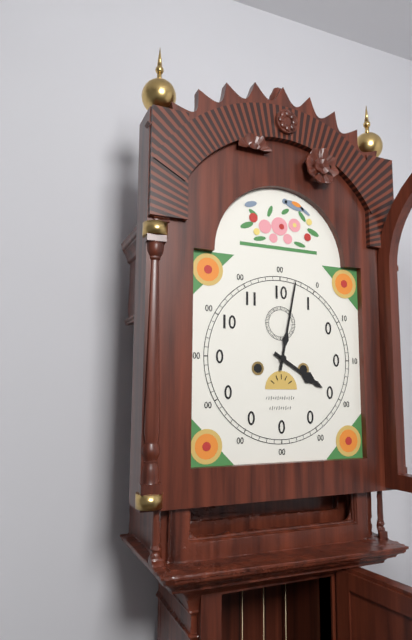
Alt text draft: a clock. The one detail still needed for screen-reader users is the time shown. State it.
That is 4:02
